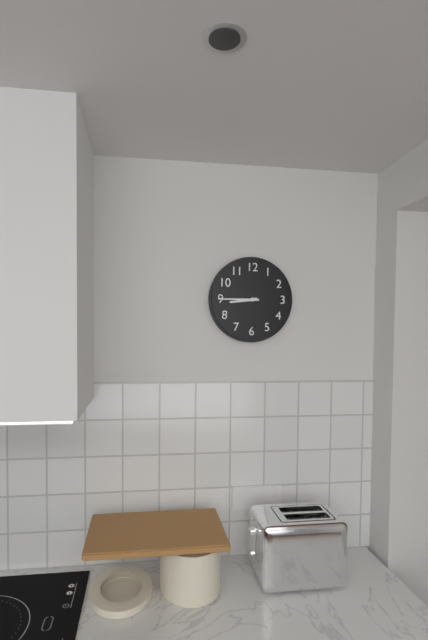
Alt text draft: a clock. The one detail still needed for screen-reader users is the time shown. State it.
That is 8:45
